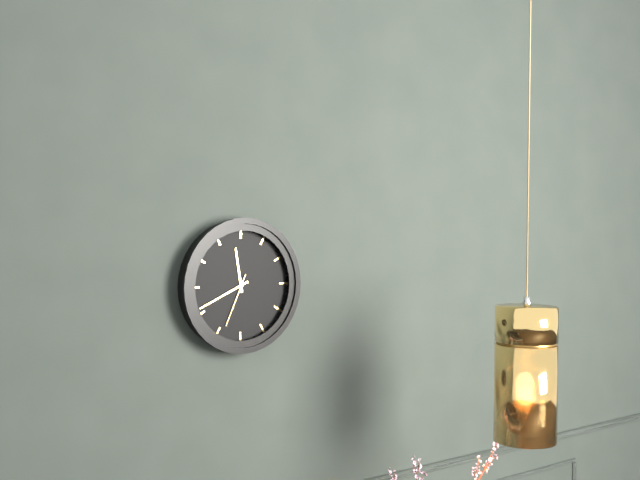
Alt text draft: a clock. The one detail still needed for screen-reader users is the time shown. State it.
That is 11:41:34
